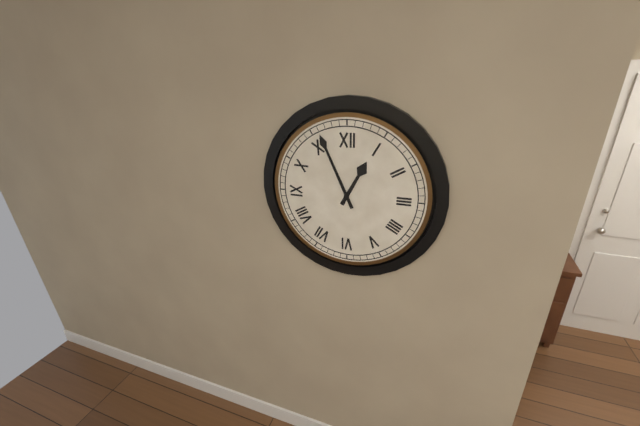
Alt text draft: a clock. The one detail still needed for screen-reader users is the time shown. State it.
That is 12:56
